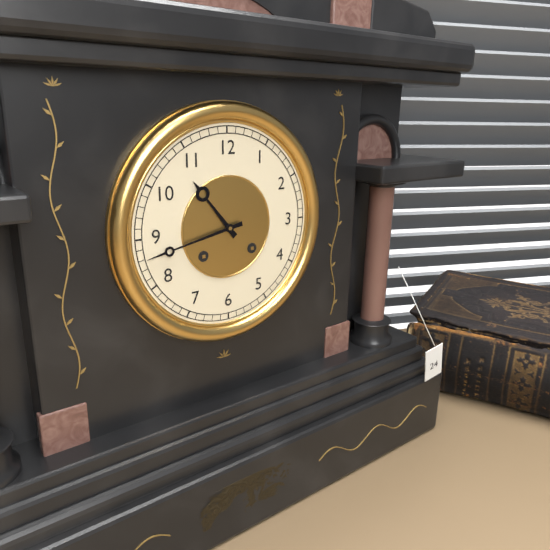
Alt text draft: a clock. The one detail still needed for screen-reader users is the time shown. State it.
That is 10:43
